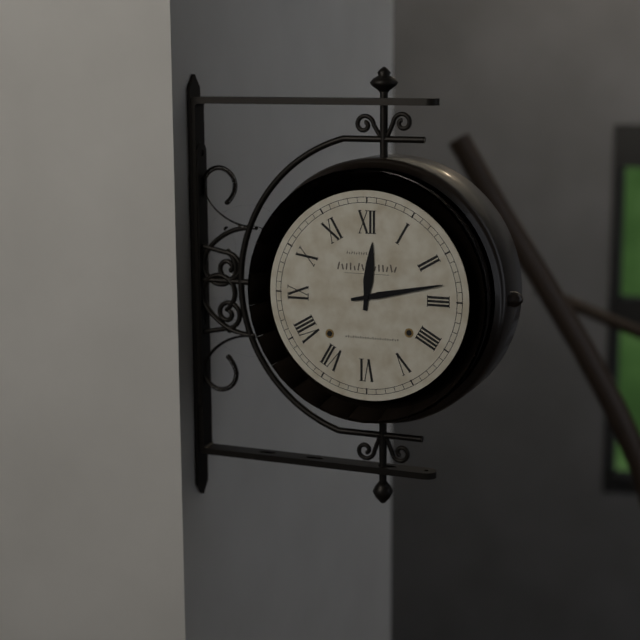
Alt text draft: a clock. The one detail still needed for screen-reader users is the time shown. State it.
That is 12:13
